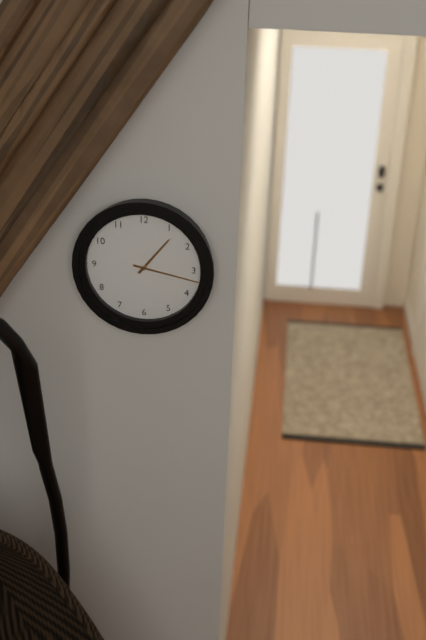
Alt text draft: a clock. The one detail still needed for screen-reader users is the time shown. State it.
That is 1:17
